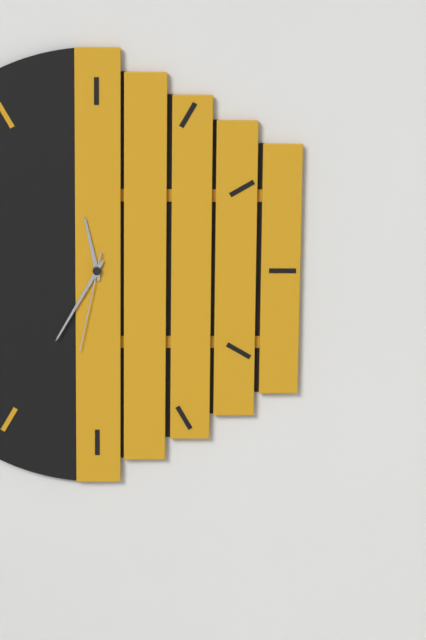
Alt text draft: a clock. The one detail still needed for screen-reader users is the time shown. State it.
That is 11:35:32
